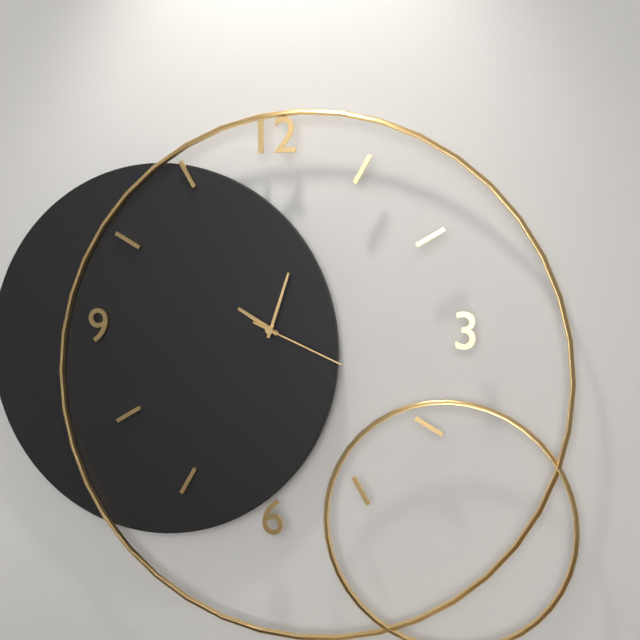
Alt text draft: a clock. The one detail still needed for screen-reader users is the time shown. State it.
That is 10:03:19
